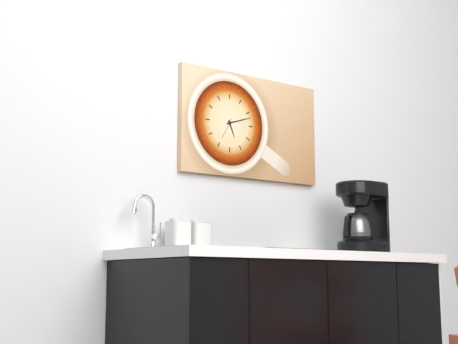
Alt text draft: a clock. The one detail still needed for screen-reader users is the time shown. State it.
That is 5:12
